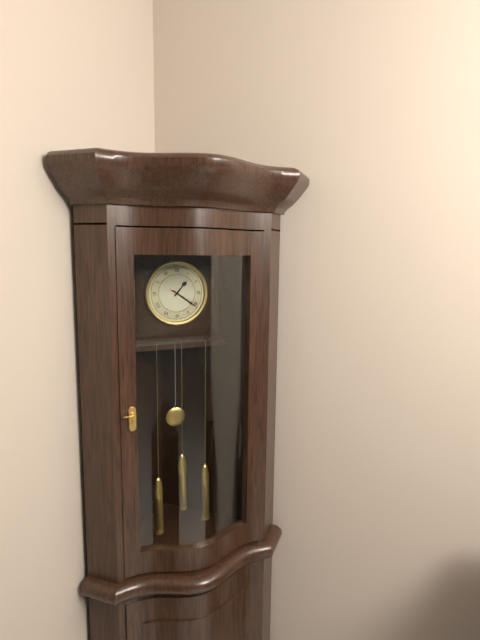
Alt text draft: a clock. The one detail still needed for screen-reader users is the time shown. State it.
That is 1:21
